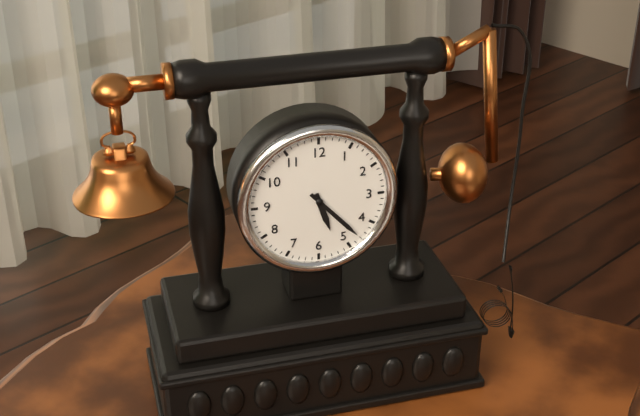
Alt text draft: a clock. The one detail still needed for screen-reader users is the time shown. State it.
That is 5:23
